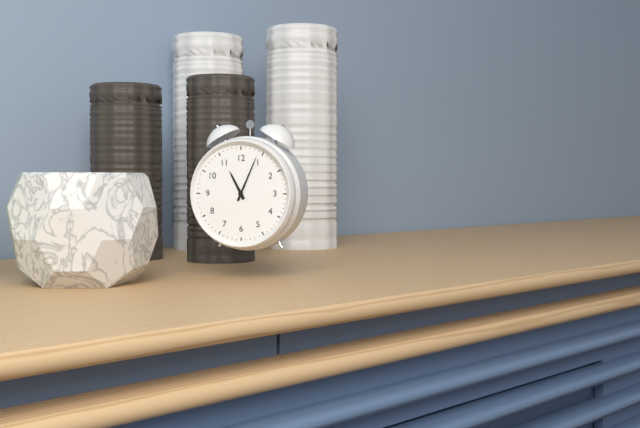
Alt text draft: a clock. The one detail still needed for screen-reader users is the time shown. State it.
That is 11:04
